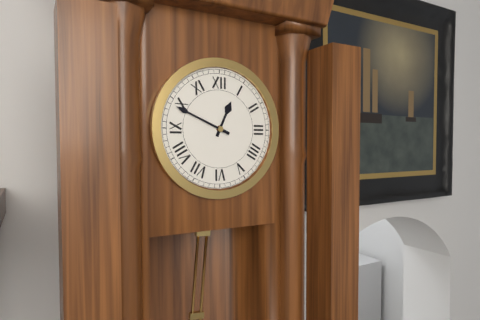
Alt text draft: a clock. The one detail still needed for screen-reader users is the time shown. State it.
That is 12:49
